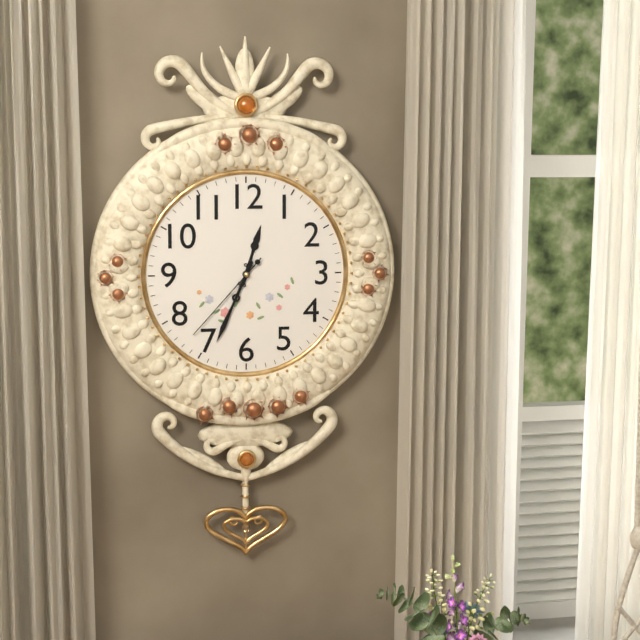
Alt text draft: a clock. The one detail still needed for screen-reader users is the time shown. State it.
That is 12:34:37
